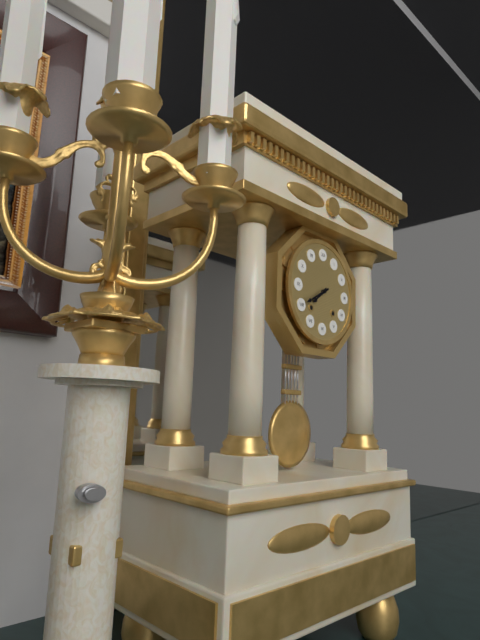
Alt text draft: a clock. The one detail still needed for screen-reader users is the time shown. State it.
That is 7:40
